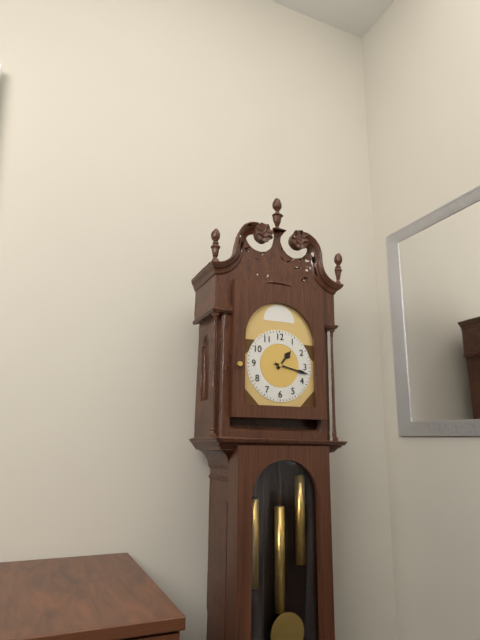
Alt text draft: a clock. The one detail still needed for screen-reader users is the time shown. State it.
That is 1:17
